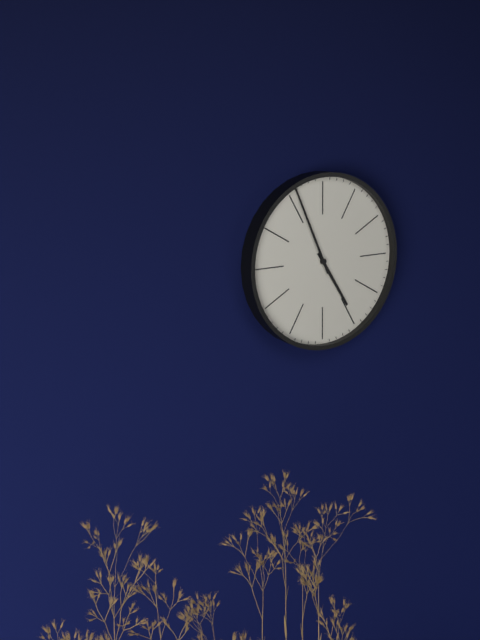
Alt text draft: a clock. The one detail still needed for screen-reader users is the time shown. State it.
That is 4:56
